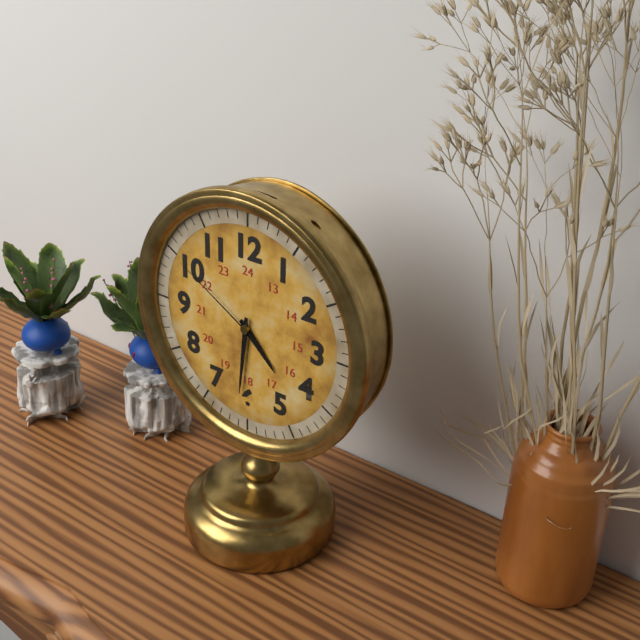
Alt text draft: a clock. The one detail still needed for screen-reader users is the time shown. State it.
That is 4:31:50
